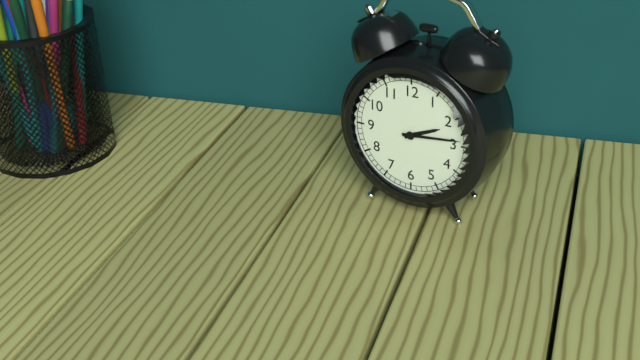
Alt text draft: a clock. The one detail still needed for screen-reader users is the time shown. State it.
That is 2:14
